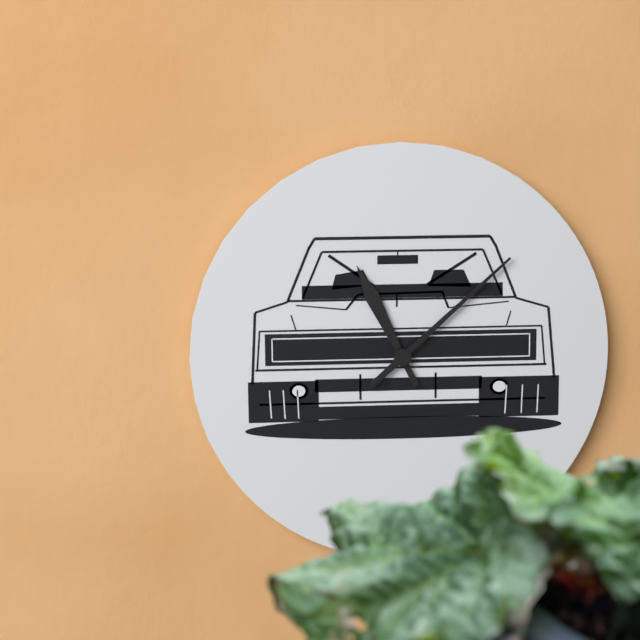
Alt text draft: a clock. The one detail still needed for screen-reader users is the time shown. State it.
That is 11:08
